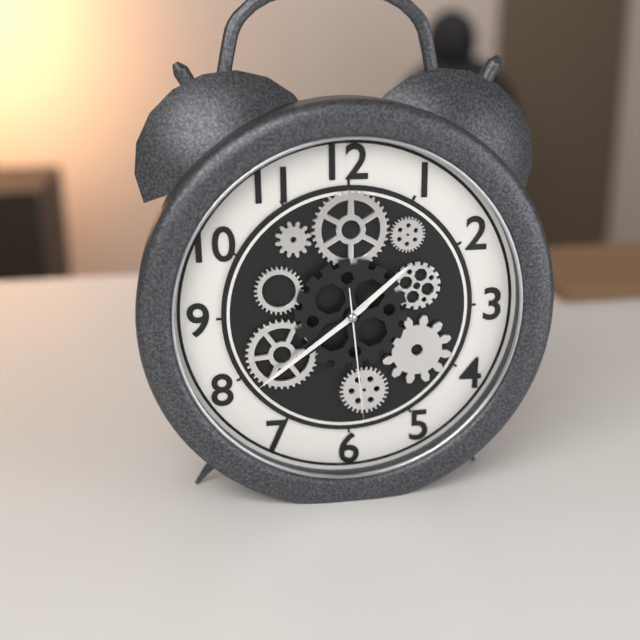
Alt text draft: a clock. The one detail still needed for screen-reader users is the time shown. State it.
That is 1:39:29
